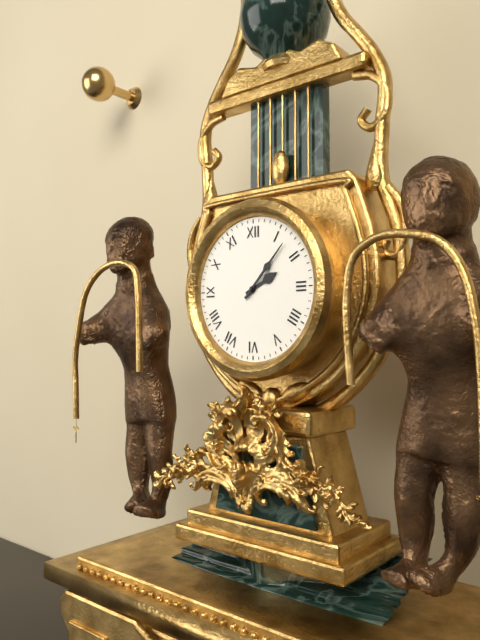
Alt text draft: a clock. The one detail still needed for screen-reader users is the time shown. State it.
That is 2:07
